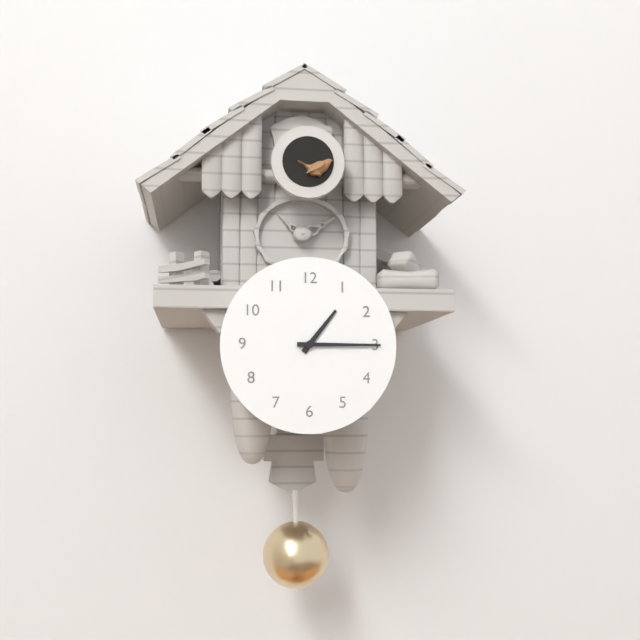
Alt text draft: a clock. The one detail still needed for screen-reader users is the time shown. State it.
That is 1:15
